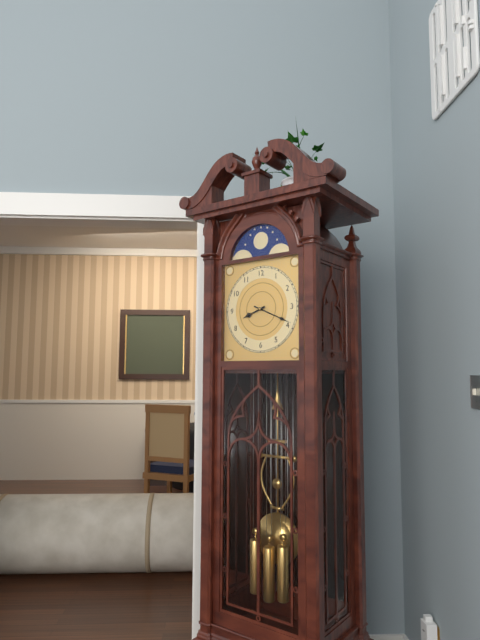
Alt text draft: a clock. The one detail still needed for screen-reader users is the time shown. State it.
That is 8:19
